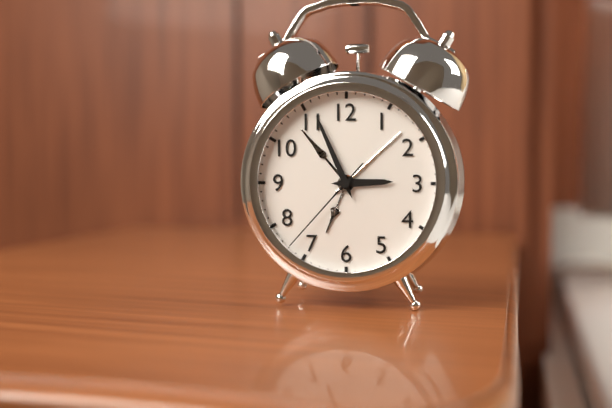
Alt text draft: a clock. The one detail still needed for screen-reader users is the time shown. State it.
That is 2:56:37
